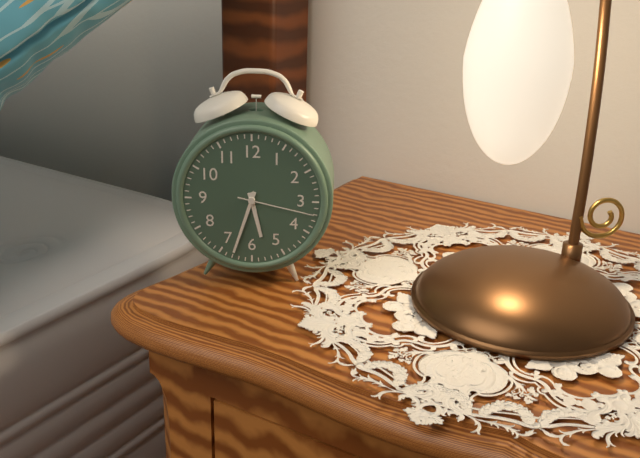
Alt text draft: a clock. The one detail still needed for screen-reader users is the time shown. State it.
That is 5:33:17
